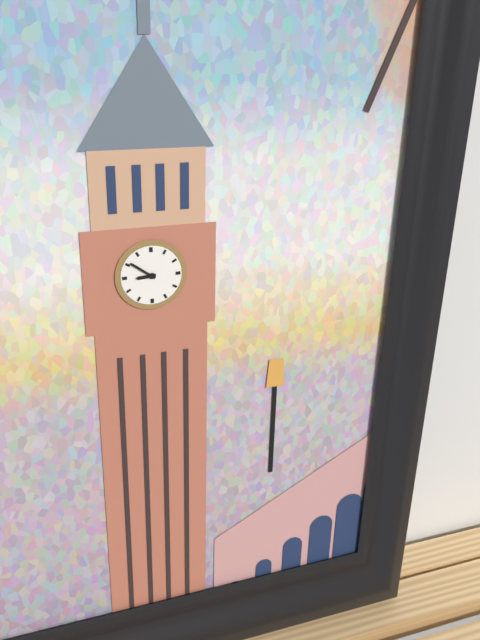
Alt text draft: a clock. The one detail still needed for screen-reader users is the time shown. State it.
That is 8:51
